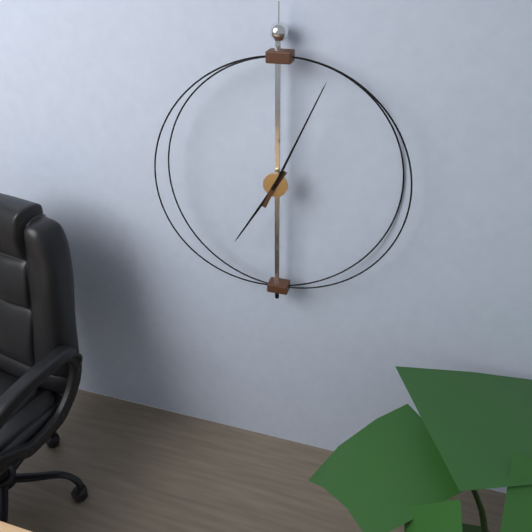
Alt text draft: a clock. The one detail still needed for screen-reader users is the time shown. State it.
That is 7:04
